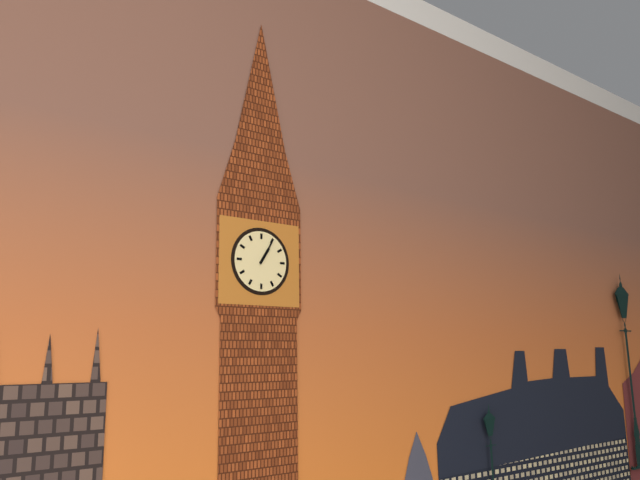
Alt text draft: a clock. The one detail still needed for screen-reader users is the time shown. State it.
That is 1:05
